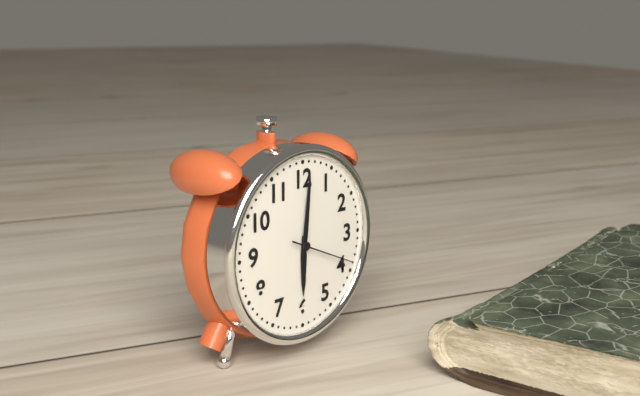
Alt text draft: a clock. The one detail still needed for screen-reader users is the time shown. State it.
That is 6:01:19
